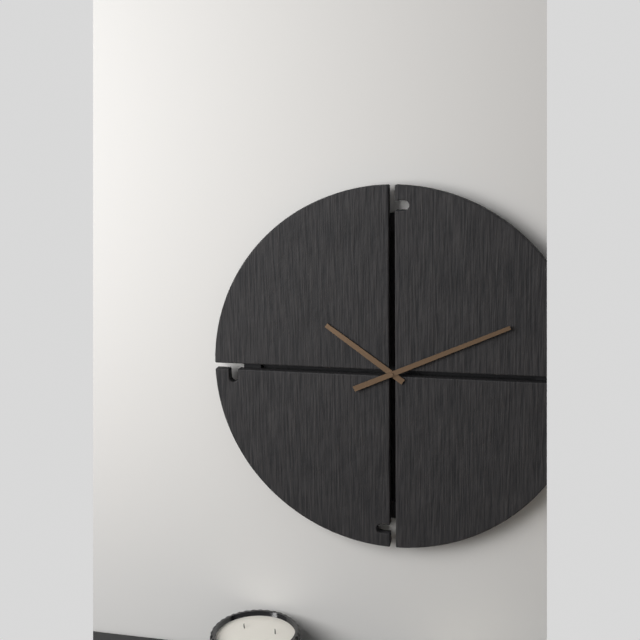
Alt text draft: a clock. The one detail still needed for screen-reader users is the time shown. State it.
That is 10:11
